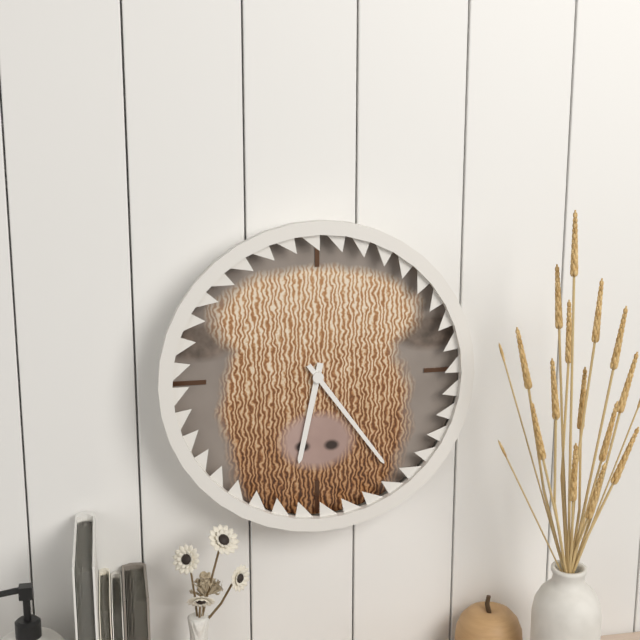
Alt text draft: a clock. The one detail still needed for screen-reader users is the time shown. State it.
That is 6:24
